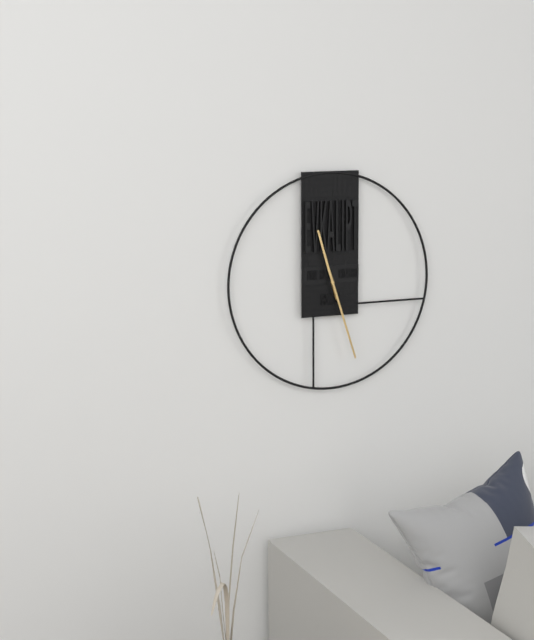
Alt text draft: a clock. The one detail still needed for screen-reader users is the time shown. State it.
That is 11:27
